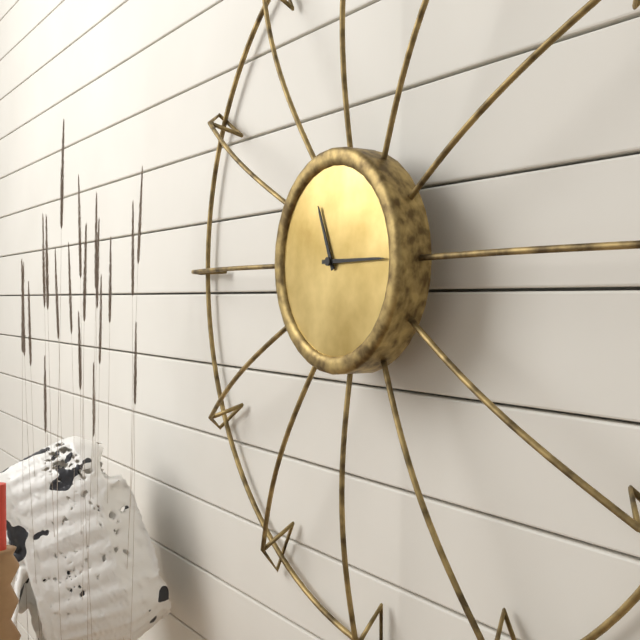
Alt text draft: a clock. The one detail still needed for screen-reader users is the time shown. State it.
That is 11:15
